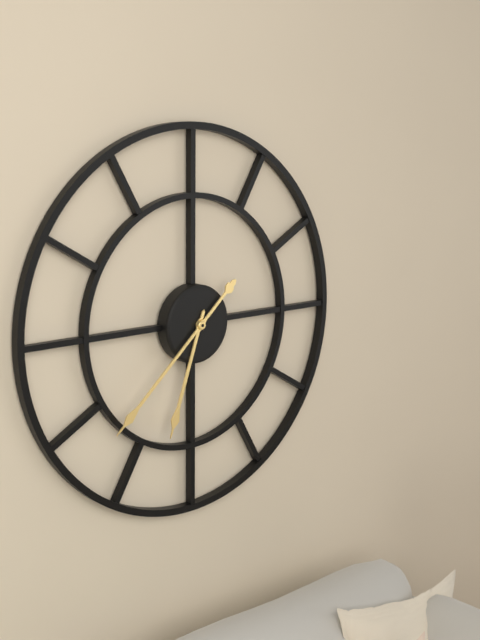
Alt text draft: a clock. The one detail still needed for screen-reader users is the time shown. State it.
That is 6:38
